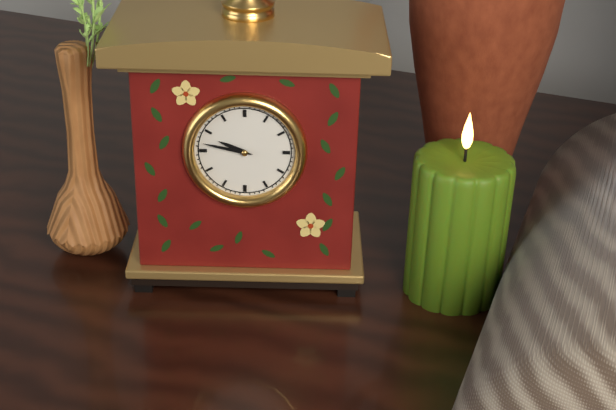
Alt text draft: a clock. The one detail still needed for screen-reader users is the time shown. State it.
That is 9:47
